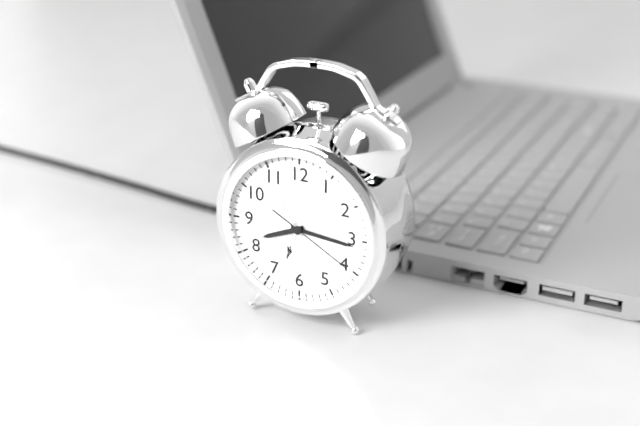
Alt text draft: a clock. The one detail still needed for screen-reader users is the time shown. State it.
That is 8:16:20
